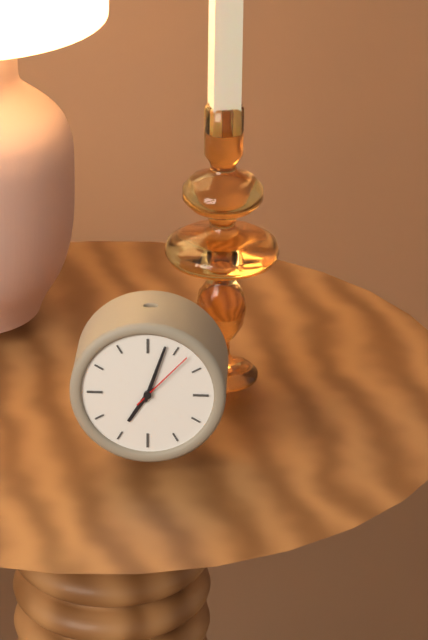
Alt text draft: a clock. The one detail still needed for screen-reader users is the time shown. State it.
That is 7:03:07
